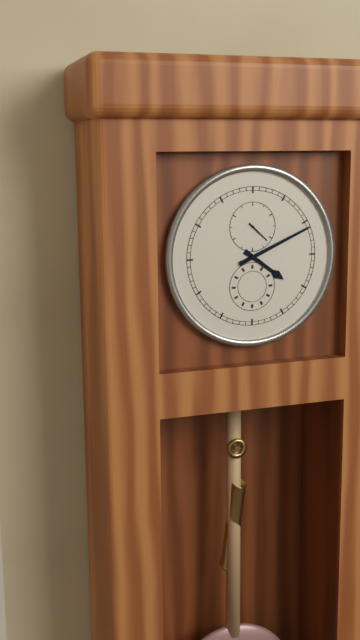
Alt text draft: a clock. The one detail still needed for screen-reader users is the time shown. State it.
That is 4:11
